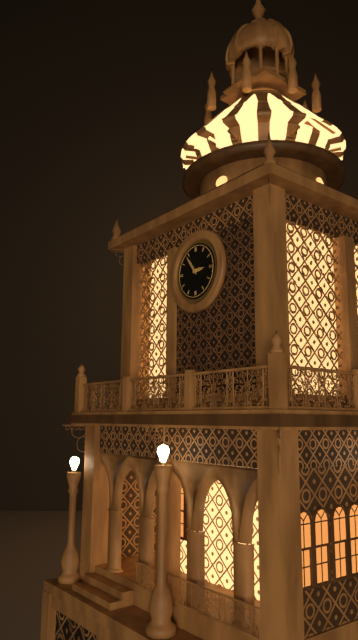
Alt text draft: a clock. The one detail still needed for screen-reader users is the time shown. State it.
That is 2:54
